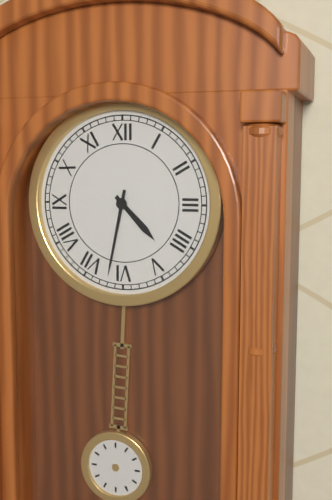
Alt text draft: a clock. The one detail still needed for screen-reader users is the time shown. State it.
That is 4:32
